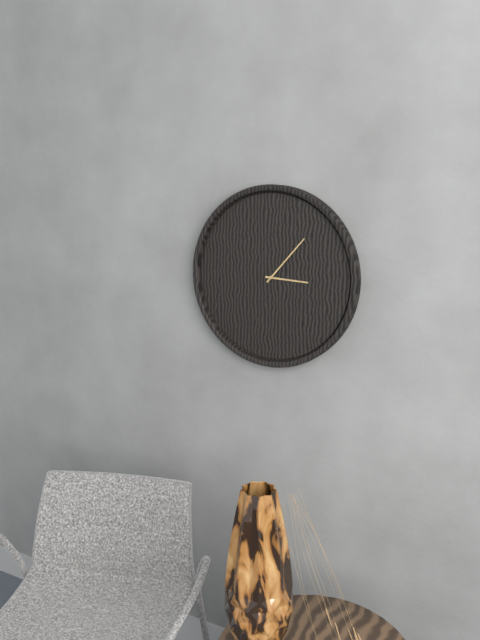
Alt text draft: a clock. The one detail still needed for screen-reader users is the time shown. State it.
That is 3:07
